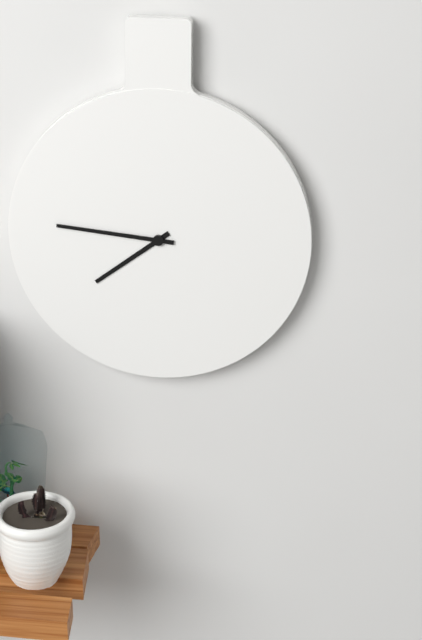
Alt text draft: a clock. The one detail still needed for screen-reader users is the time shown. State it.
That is 7:46
